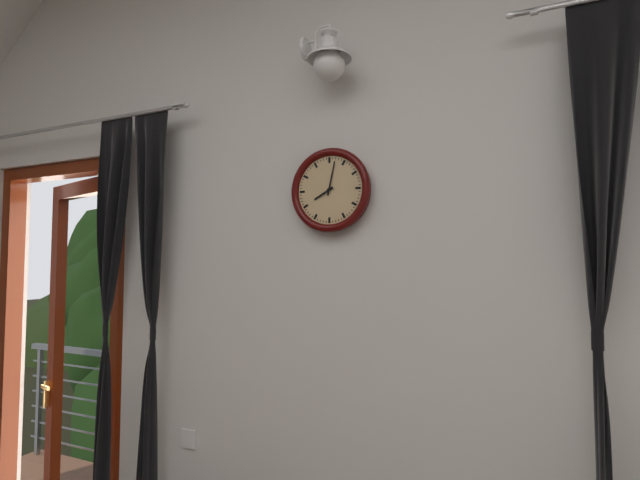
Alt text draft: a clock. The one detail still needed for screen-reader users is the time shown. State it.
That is 8:02
